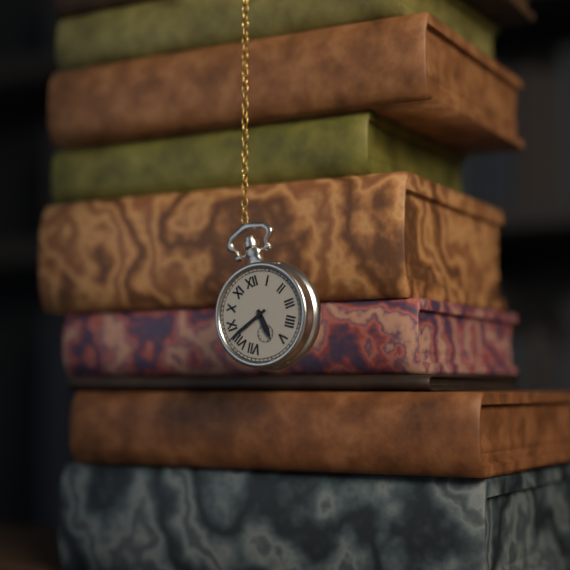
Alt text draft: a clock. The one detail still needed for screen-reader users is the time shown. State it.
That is 5:42
